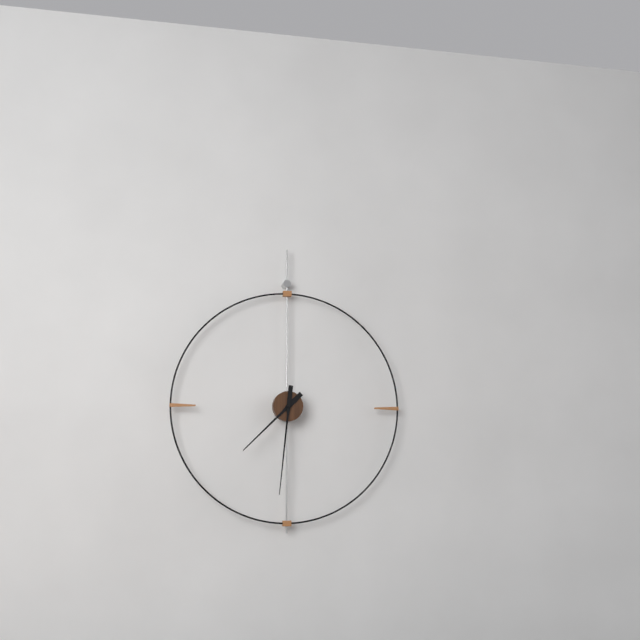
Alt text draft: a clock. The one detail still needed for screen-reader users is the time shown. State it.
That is 7:31
